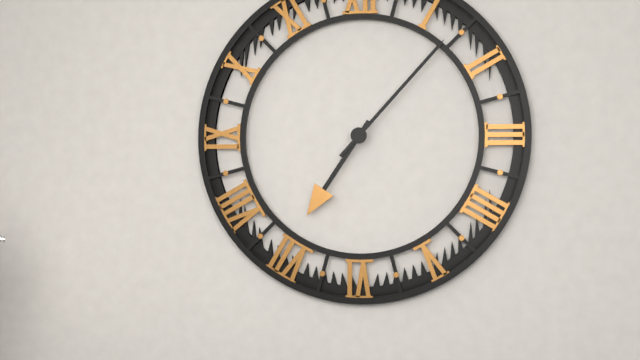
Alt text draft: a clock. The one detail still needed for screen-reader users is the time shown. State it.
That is 7:07
